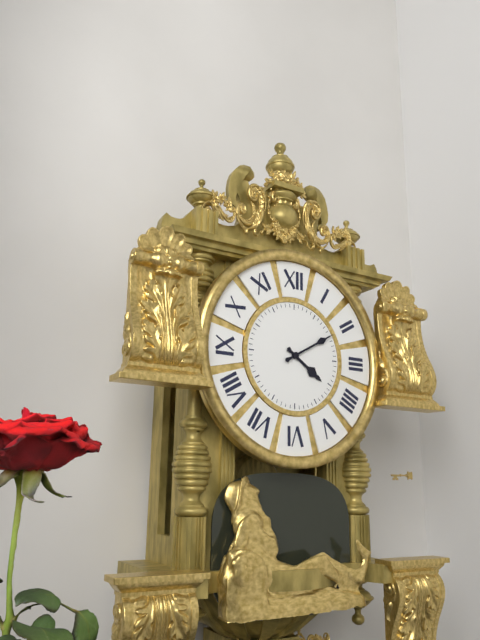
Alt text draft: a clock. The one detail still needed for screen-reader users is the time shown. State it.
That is 4:10
